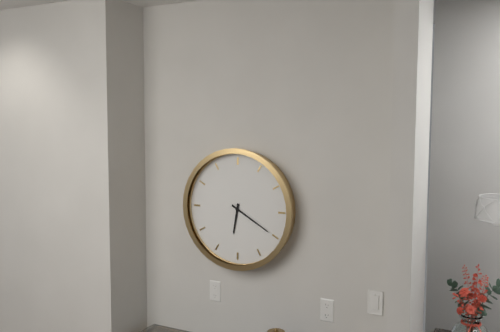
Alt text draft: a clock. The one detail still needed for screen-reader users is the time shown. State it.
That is 6:20
